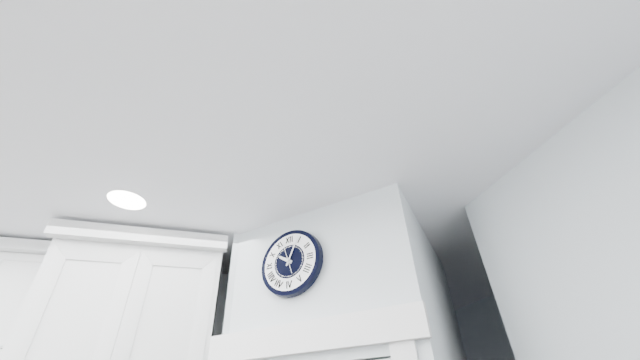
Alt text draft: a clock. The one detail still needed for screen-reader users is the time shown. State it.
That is 10:04
